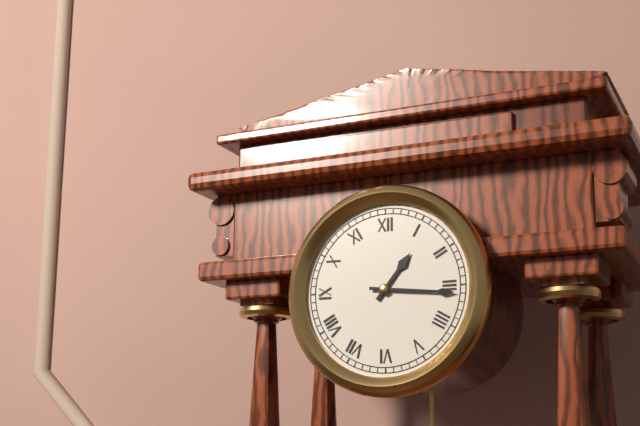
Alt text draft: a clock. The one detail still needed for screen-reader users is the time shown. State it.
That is 1:16
